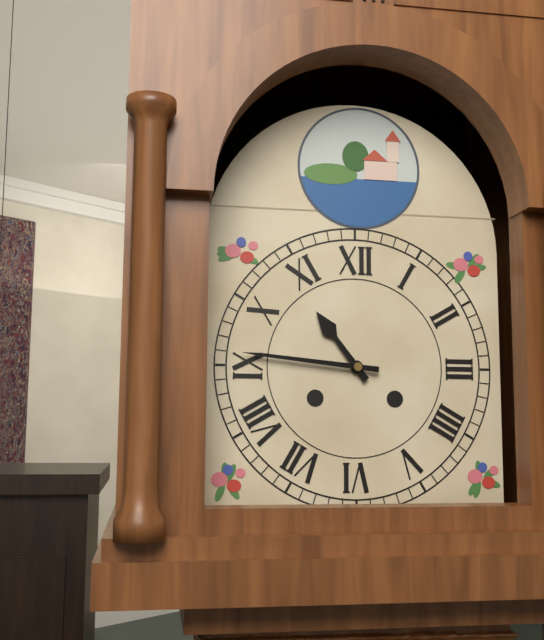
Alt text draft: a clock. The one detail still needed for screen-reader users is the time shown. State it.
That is 10:46
